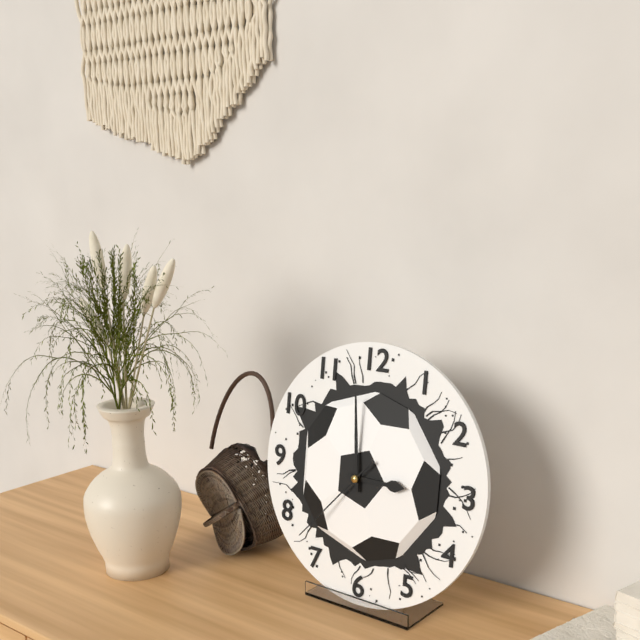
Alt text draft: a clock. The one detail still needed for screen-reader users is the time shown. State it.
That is 2:59:37
